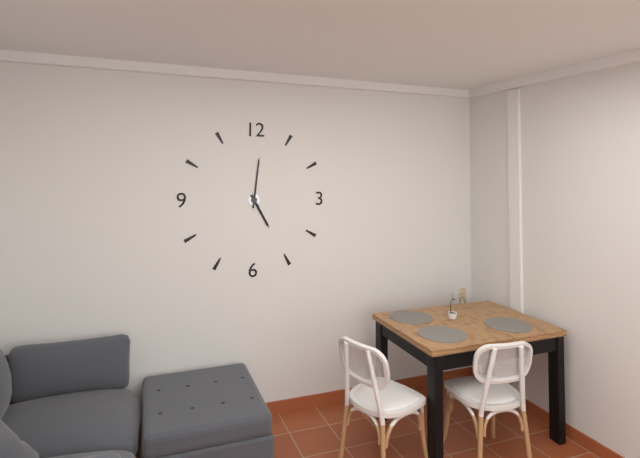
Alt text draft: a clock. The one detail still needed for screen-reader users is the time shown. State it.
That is 5:01
